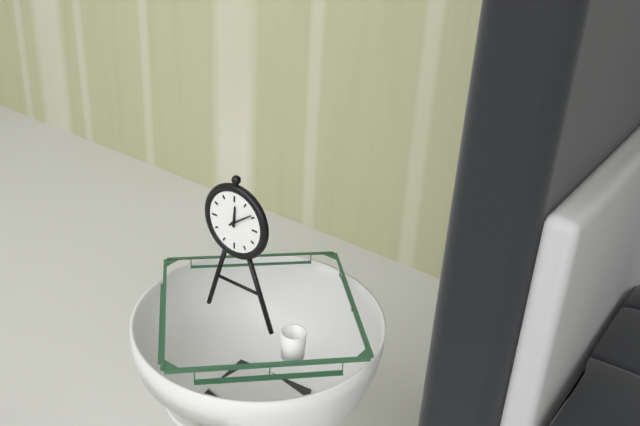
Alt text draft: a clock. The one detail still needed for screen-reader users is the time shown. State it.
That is 12:09
